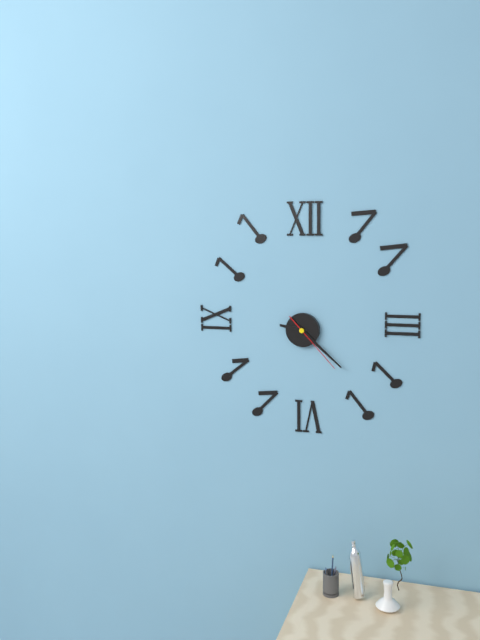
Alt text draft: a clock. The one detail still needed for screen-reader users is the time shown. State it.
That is 9:22:23
